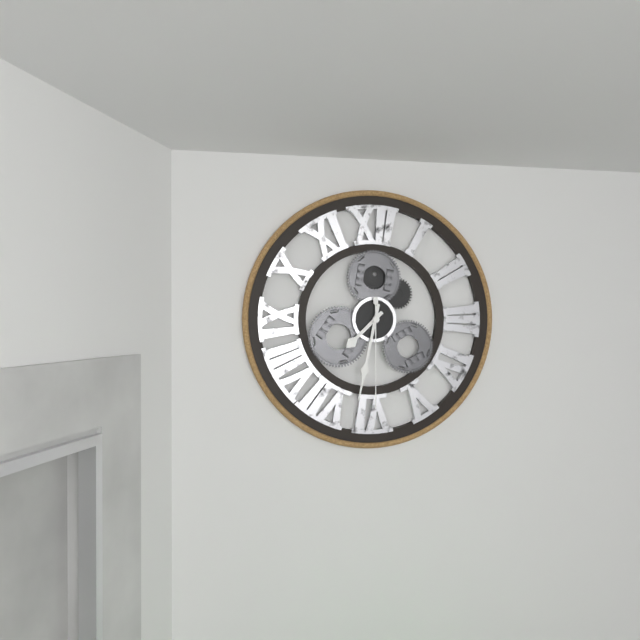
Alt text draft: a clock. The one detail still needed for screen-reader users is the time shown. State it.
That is 7:32:30
